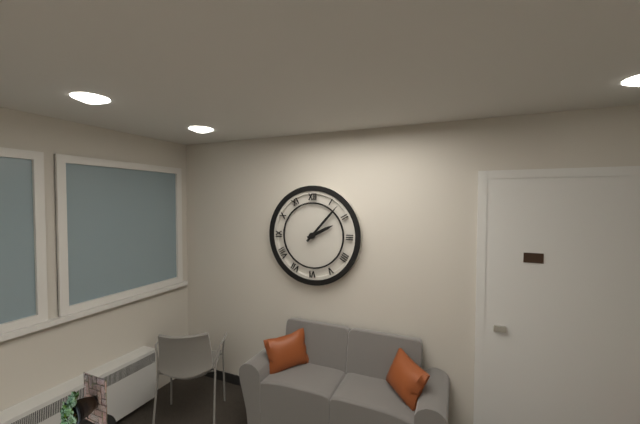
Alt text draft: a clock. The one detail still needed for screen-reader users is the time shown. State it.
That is 2:07
